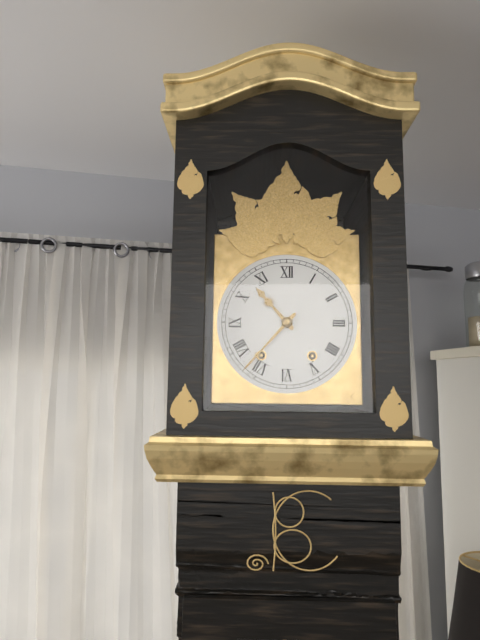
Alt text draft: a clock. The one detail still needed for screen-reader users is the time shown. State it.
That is 10:37
